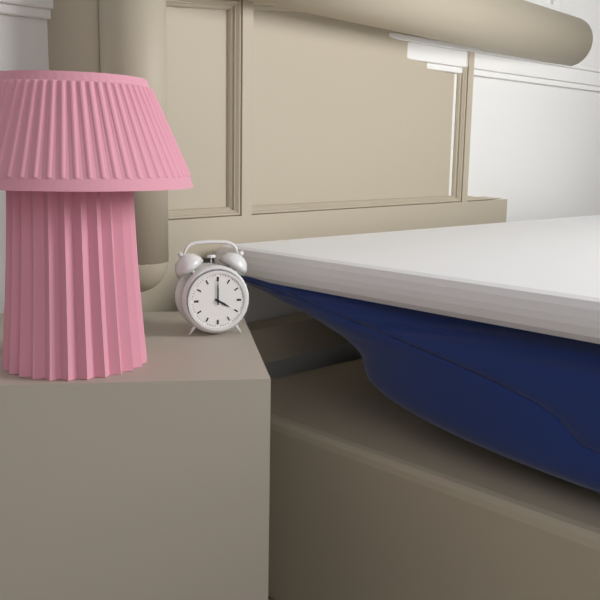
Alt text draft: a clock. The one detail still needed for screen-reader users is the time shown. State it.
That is 4:00
